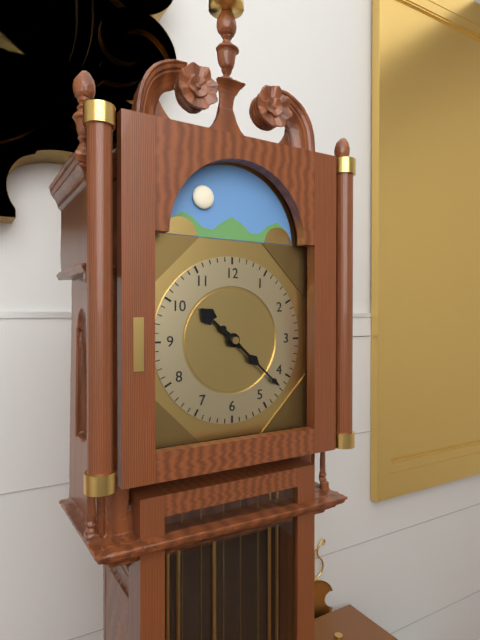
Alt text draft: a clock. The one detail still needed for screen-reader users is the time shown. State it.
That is 10:22
